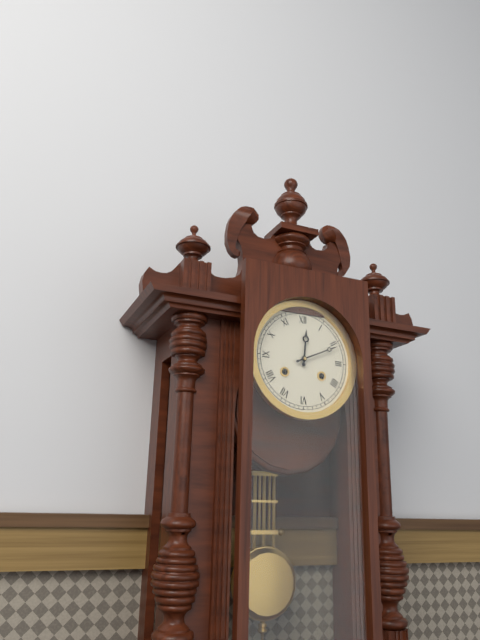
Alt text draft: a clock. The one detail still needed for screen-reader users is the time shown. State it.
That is 12:11
